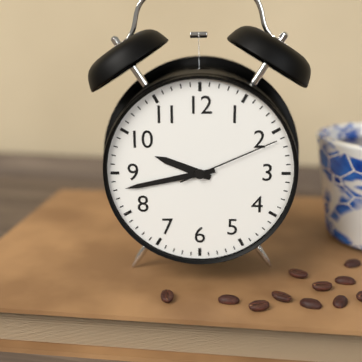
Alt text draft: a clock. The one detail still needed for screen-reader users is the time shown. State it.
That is 9:43:11
